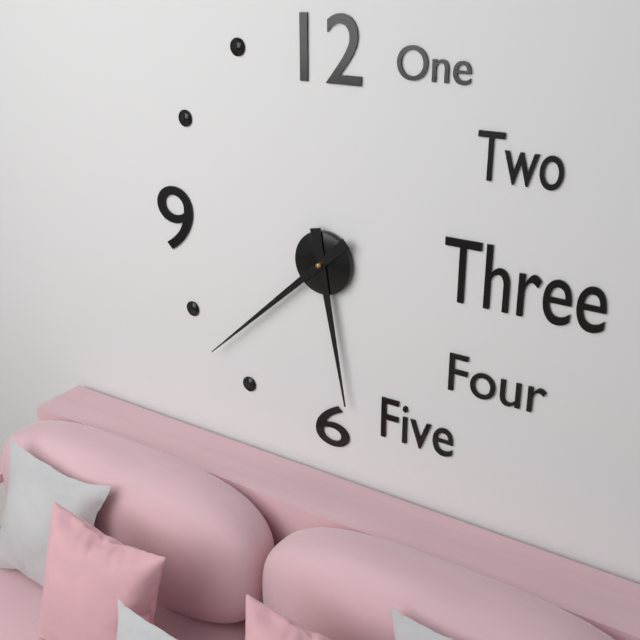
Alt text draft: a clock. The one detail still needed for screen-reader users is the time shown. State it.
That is 5:38
